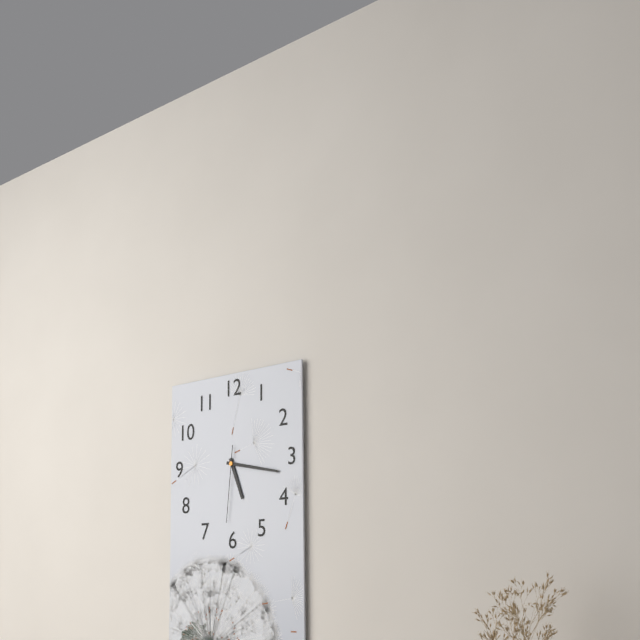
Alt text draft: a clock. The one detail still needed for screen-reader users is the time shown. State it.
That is 5:17:31
